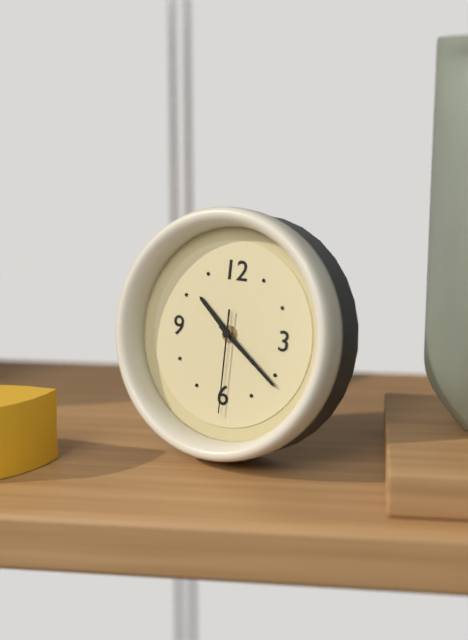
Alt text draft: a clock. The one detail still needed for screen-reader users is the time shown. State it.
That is 10:21:30
